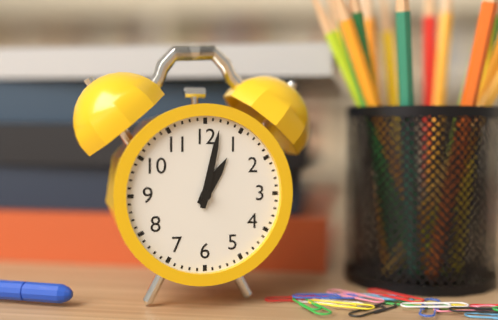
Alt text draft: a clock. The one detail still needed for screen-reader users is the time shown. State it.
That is 1:02
